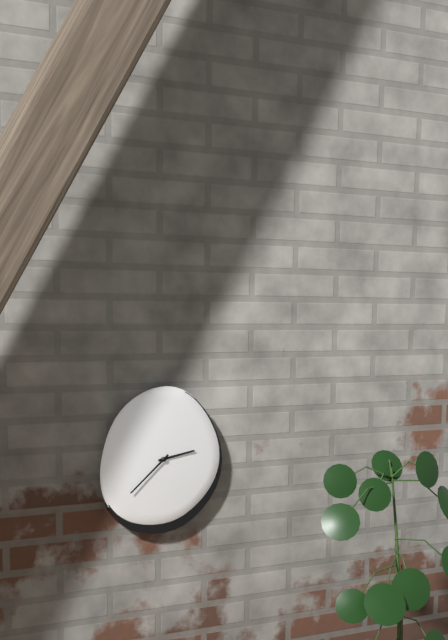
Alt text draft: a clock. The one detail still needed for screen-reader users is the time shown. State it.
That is 2:38
